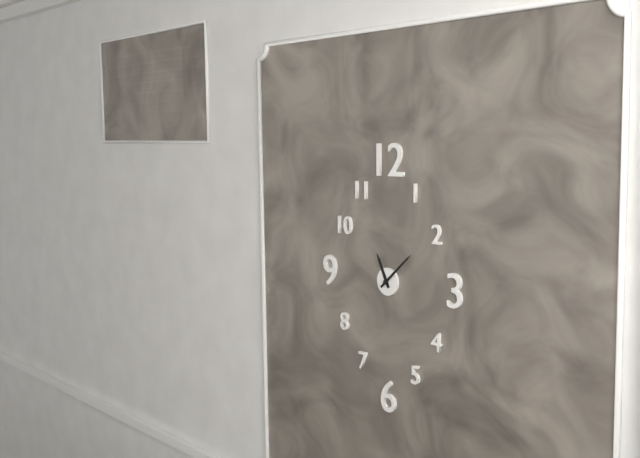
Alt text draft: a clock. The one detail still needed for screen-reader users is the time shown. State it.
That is 11:08
